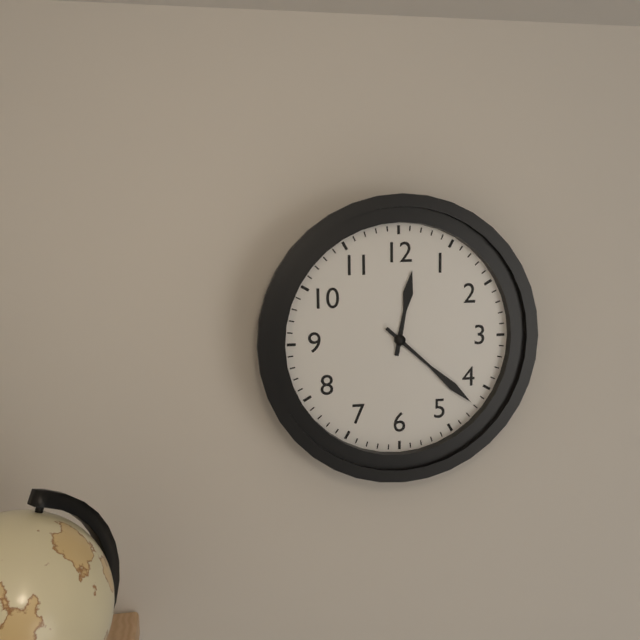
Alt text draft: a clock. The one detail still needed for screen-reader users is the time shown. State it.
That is 12:22
